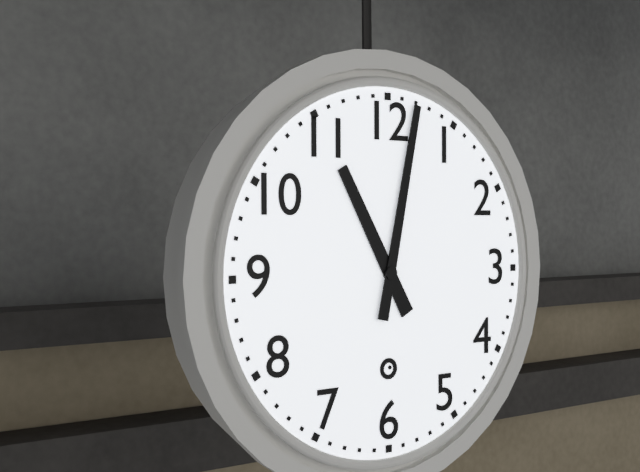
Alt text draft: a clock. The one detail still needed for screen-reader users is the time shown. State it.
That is 11:02
